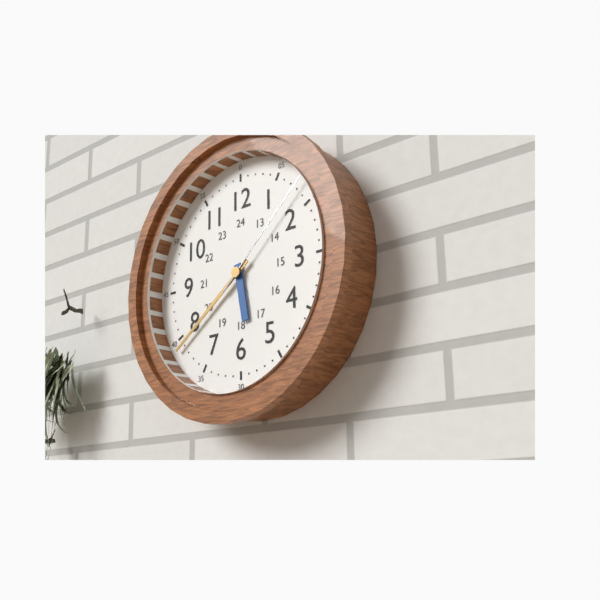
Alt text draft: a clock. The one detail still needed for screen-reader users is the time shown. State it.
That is 5:39:08
